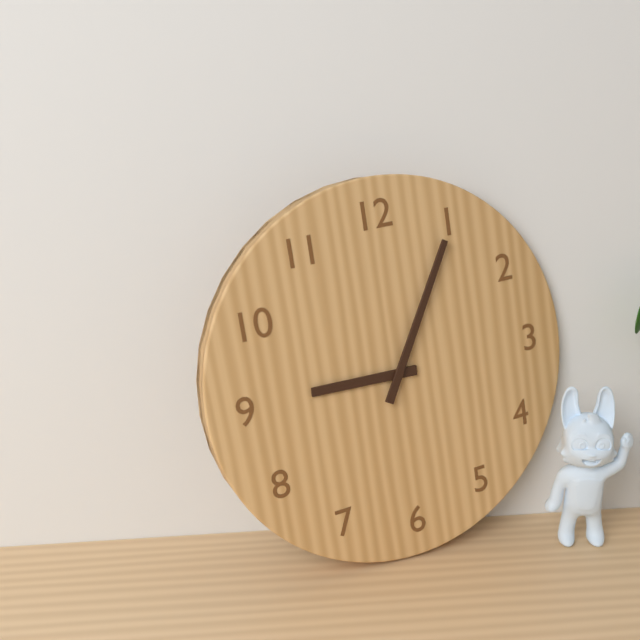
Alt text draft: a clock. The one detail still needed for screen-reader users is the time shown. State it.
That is 9:05
